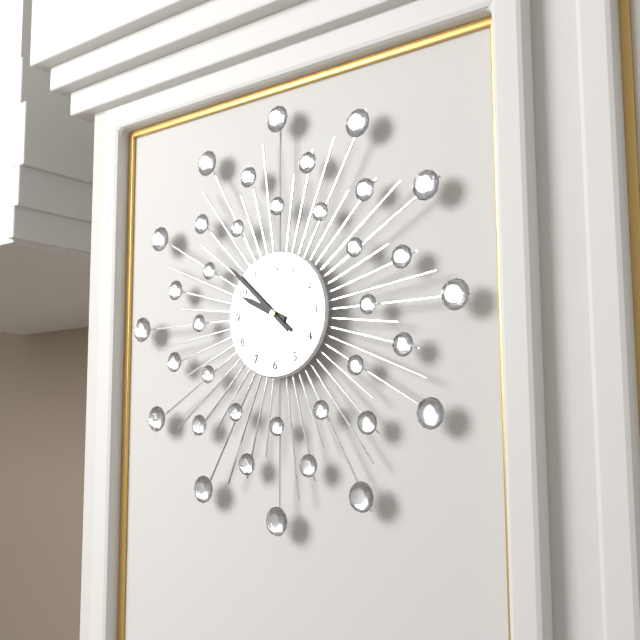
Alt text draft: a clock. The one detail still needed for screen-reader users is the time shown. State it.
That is 9:52
